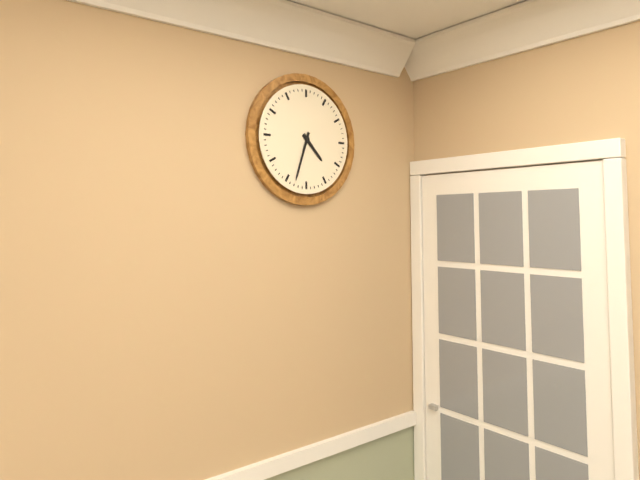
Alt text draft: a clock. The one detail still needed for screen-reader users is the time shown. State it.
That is 4:33
